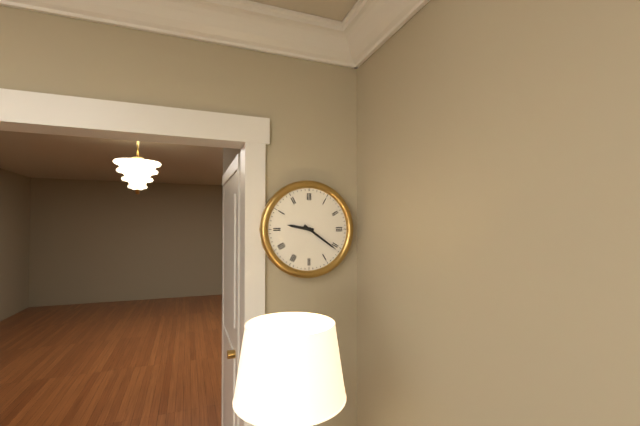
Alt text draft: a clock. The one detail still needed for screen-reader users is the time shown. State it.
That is 9:21
